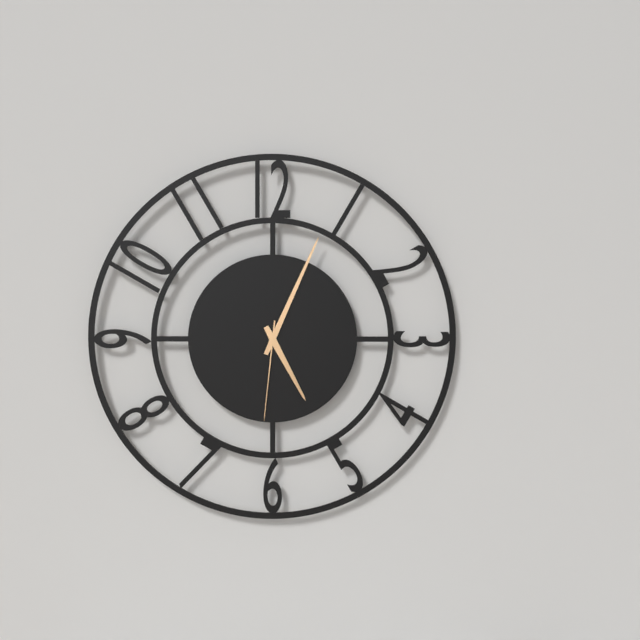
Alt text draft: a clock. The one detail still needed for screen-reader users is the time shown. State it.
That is 5:04:31
